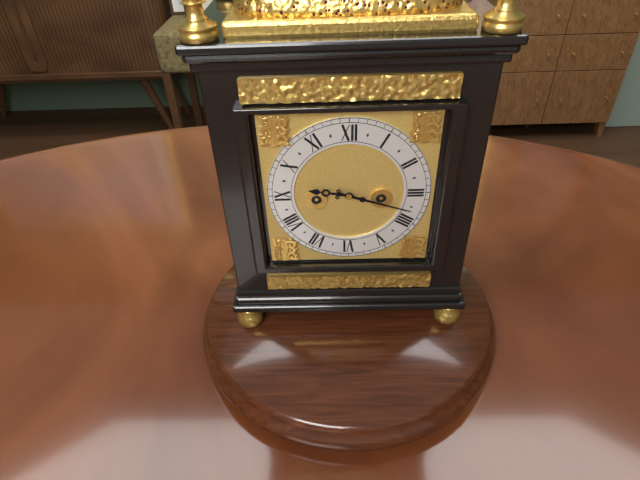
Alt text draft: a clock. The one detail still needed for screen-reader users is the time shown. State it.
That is 9:18
